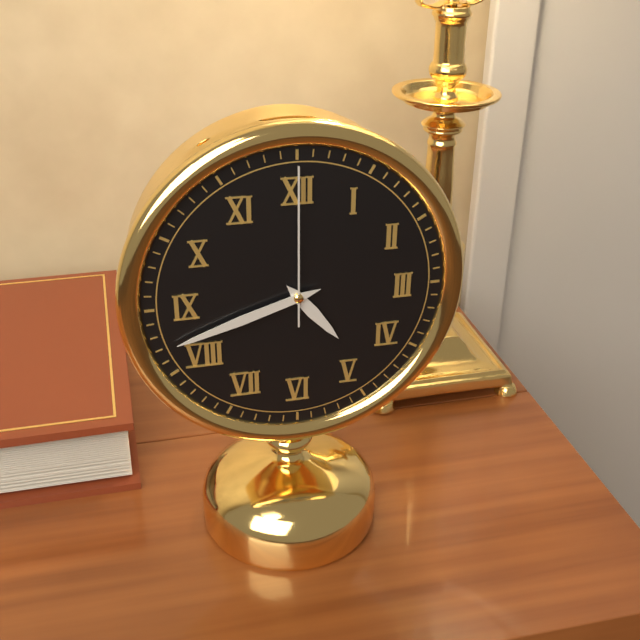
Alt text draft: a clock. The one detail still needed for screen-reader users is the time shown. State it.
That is 4:42:00
